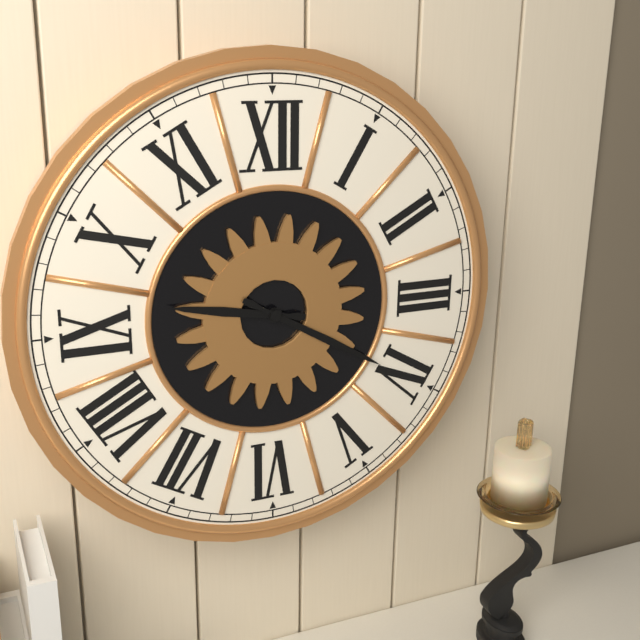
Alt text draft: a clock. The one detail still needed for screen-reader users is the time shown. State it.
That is 9:20
